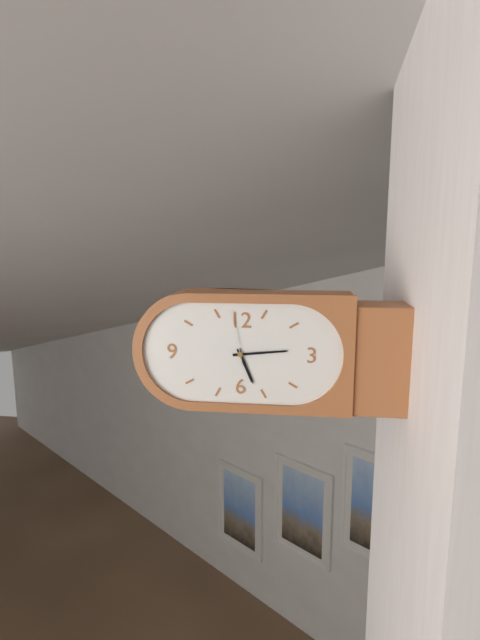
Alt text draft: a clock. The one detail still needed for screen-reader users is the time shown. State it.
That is 5:14:58
